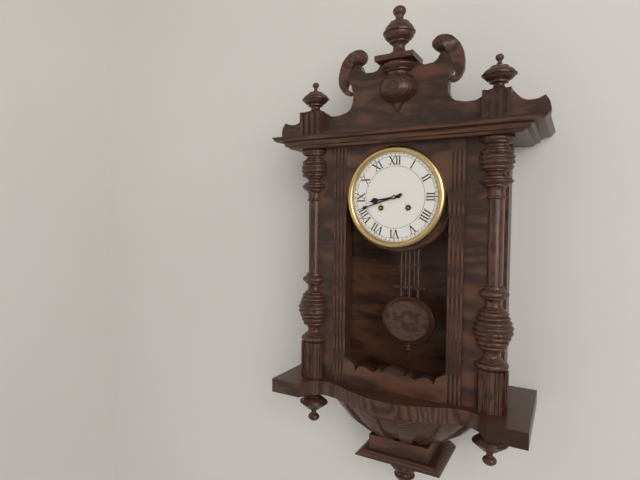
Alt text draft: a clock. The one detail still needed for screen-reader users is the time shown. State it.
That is 8:42
